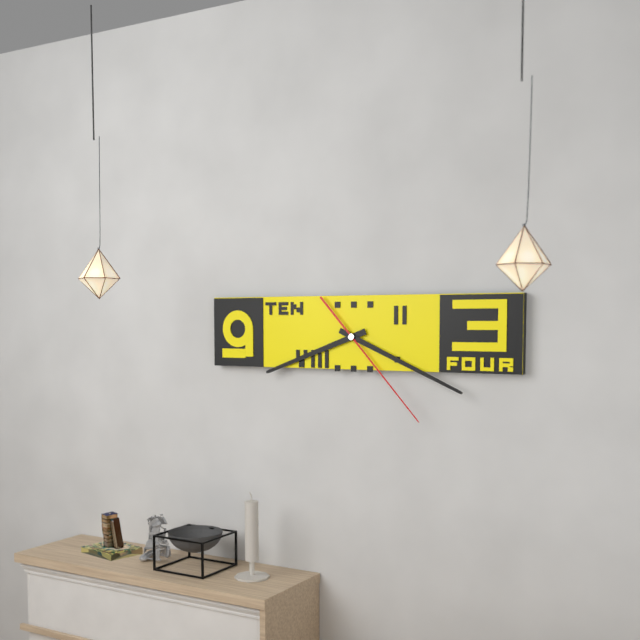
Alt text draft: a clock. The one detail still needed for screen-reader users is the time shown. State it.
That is 8:19:23
